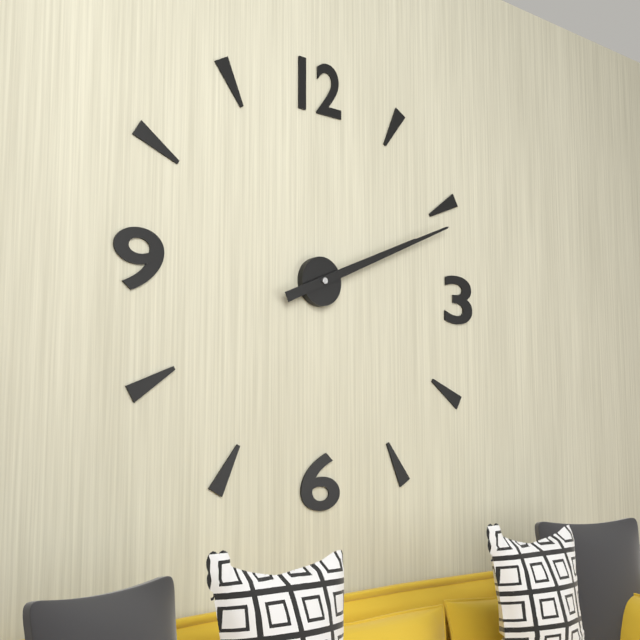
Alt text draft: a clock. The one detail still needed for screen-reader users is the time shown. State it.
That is 2:11
